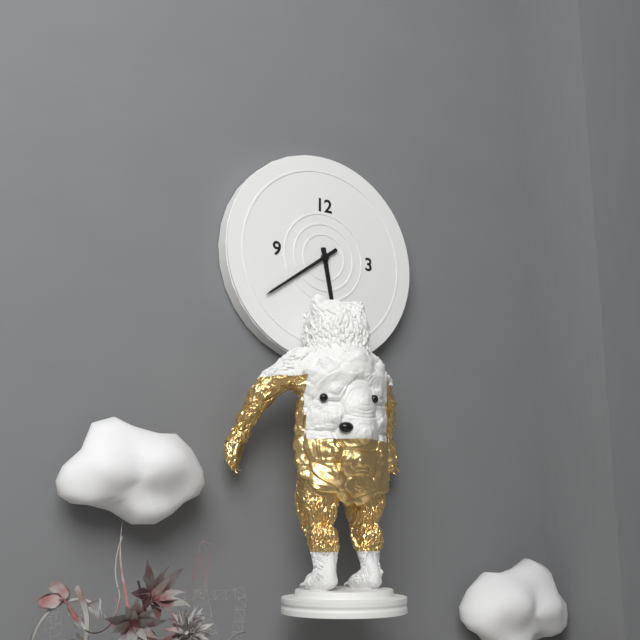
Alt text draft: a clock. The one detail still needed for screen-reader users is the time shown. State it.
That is 5:39
